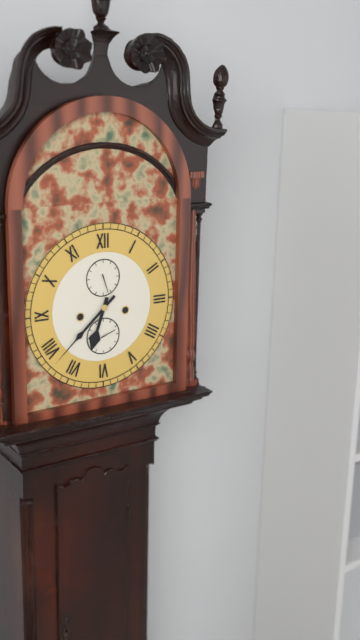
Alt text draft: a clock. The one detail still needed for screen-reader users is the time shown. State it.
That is 6:38
